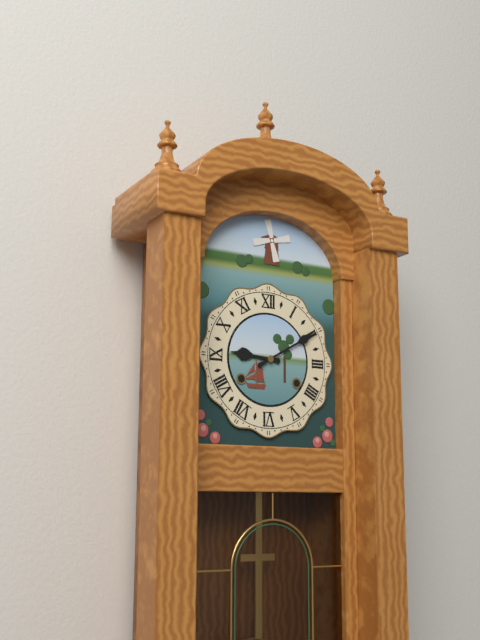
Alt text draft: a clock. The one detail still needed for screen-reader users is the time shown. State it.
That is 9:10
